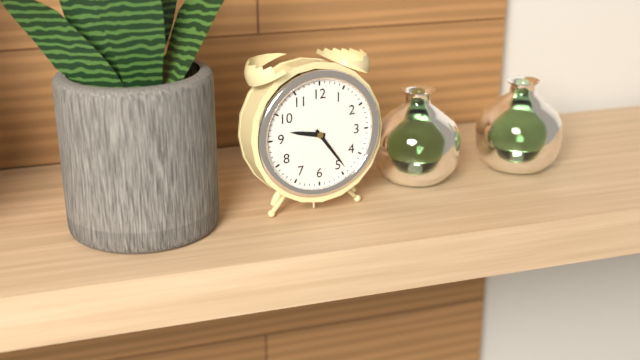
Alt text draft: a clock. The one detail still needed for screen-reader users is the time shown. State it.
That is 9:24
